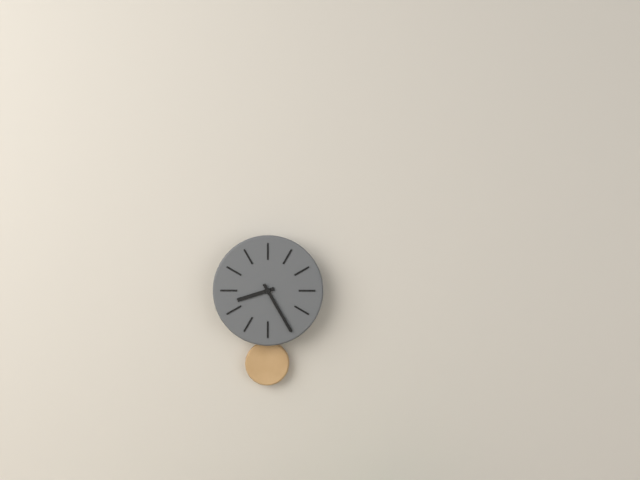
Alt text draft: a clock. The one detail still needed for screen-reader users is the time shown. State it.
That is 8:25
